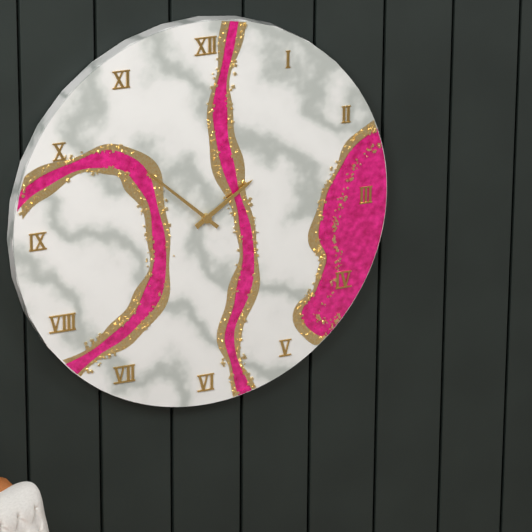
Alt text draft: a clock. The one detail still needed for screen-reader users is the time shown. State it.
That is 1:52
